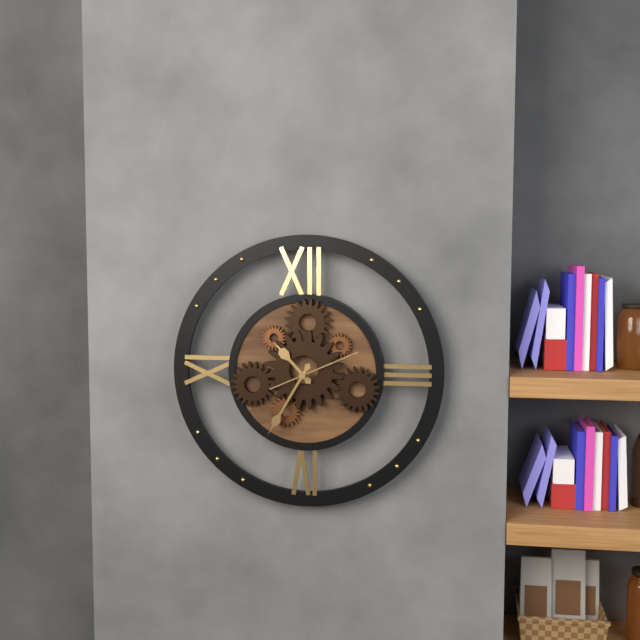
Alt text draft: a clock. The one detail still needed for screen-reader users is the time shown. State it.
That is 10:35:11
